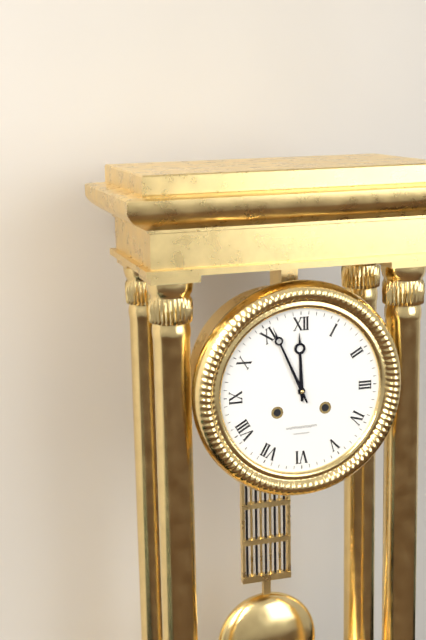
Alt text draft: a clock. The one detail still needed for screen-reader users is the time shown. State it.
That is 11:56
